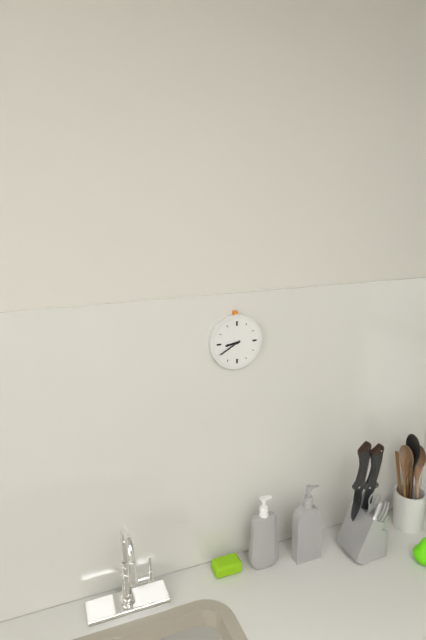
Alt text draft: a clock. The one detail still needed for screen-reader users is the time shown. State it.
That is 8:40
